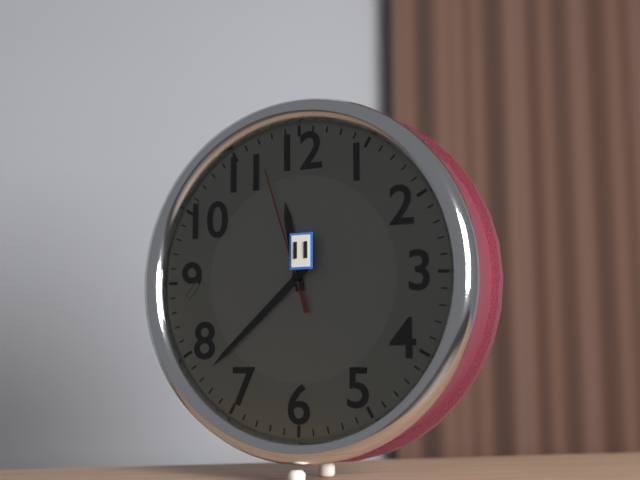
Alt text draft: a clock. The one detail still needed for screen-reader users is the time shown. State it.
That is 11:38:57
